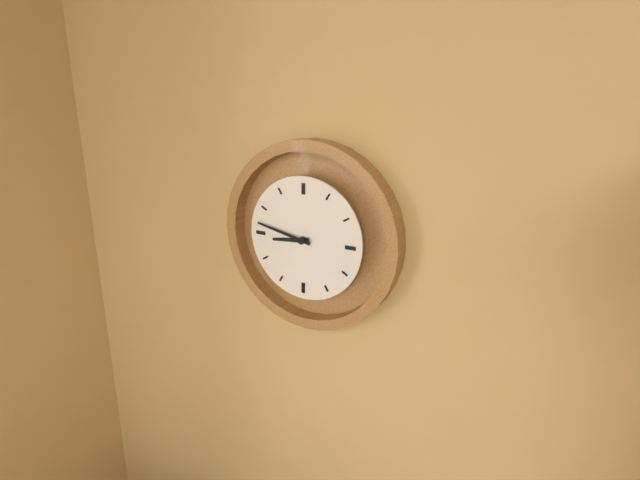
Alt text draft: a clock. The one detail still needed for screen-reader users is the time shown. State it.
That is 8:47
